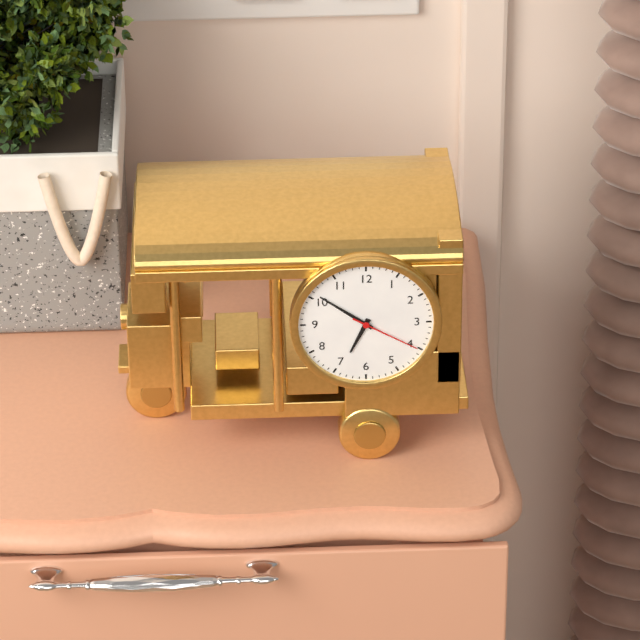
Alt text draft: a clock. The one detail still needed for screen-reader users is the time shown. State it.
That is 6:51:20
